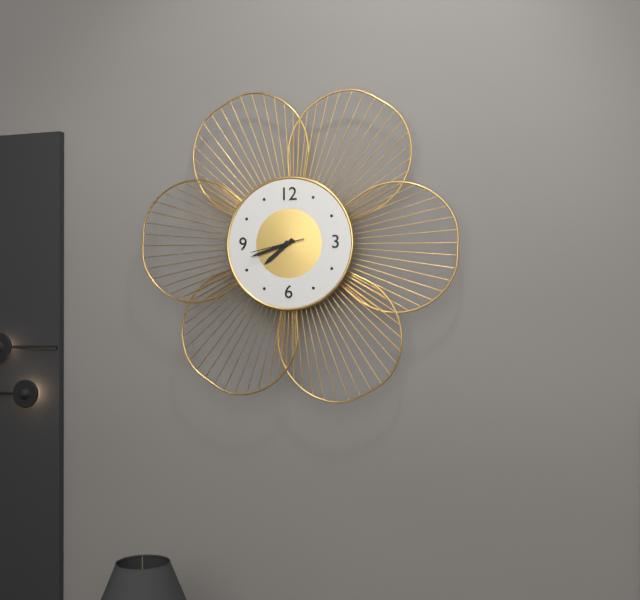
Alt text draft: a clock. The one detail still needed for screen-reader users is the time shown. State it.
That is 7:42
